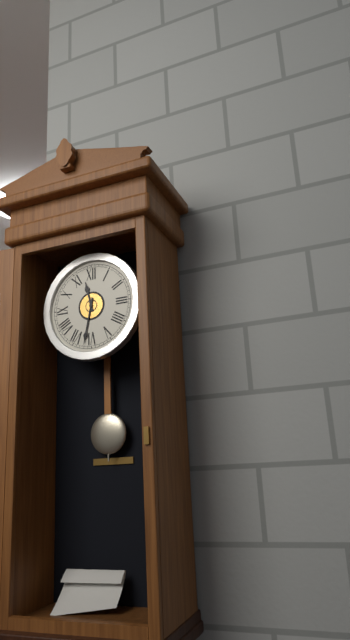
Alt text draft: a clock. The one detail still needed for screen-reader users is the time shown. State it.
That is 11:32
